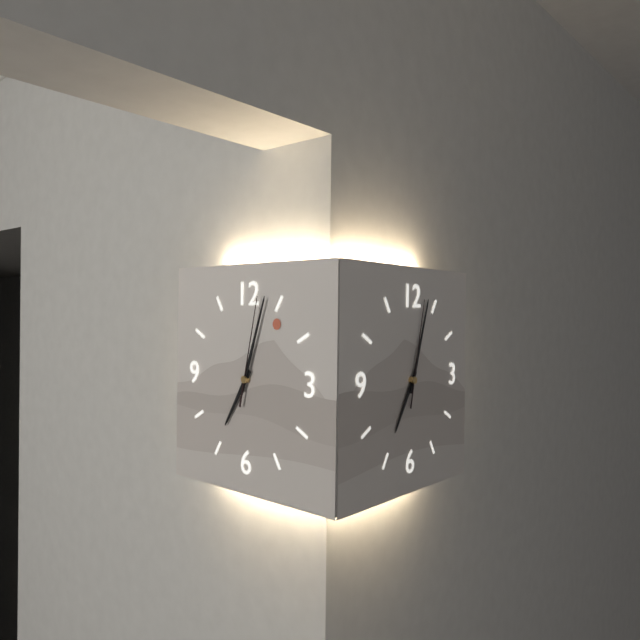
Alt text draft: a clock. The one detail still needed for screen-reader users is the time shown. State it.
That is 7:03:02
